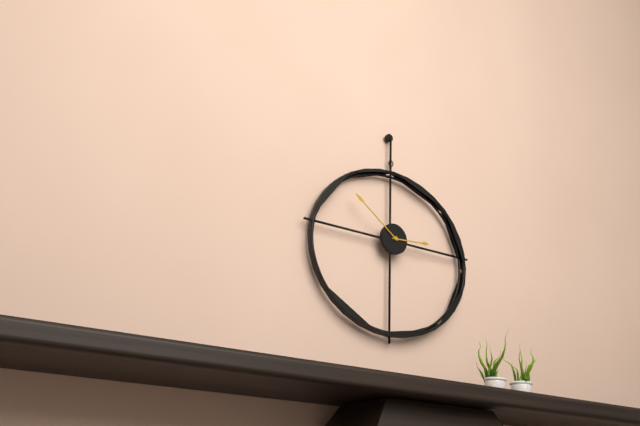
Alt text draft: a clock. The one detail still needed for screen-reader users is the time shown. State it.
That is 2:51
